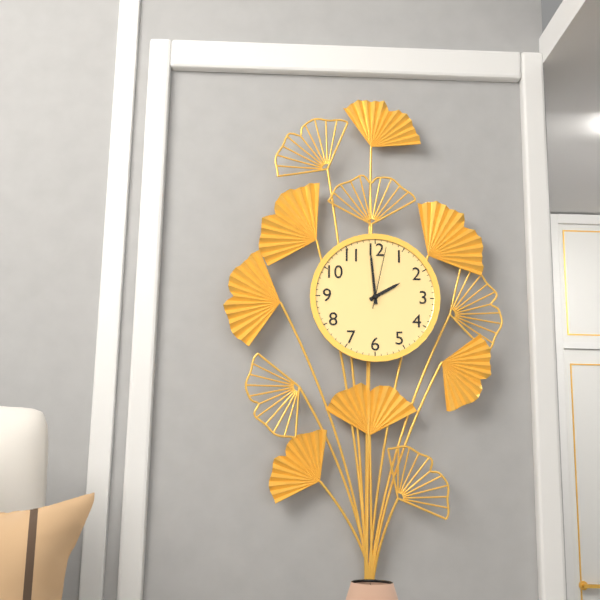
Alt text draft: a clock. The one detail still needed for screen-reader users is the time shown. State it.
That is 1:59:02
